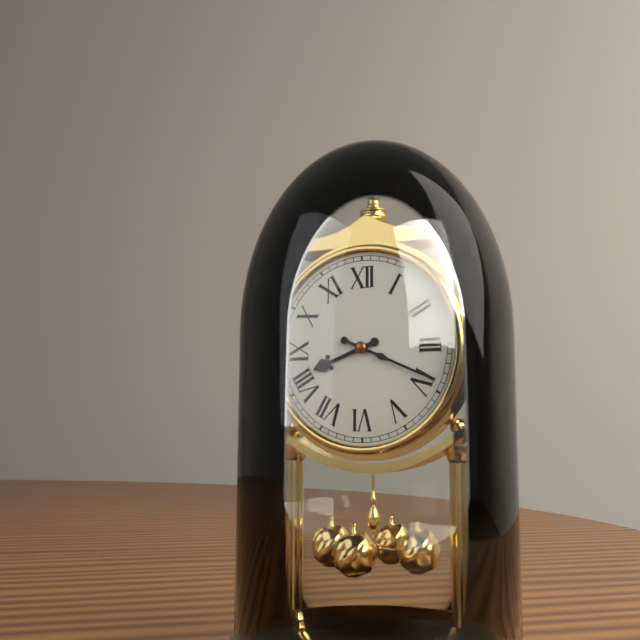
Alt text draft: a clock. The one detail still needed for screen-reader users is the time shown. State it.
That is 8:19
